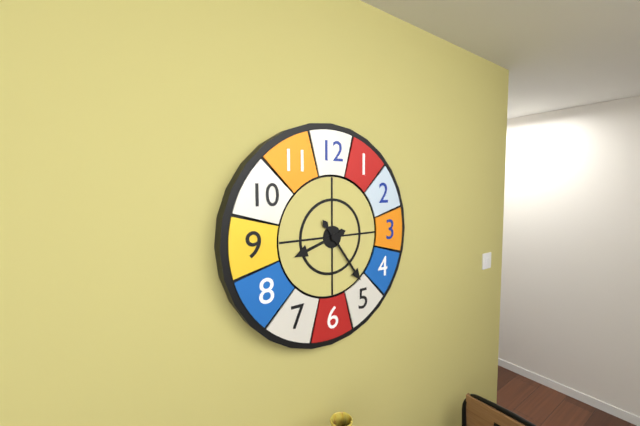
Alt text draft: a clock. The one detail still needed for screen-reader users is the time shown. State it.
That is 8:24
